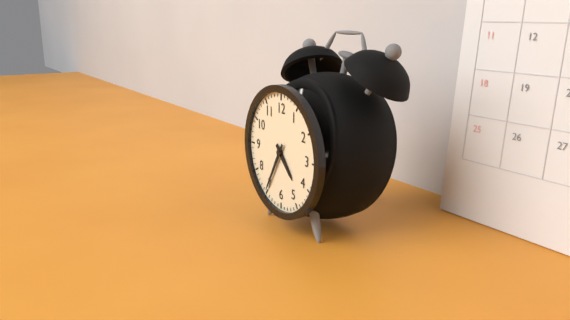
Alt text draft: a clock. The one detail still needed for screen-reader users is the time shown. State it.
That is 4:35
